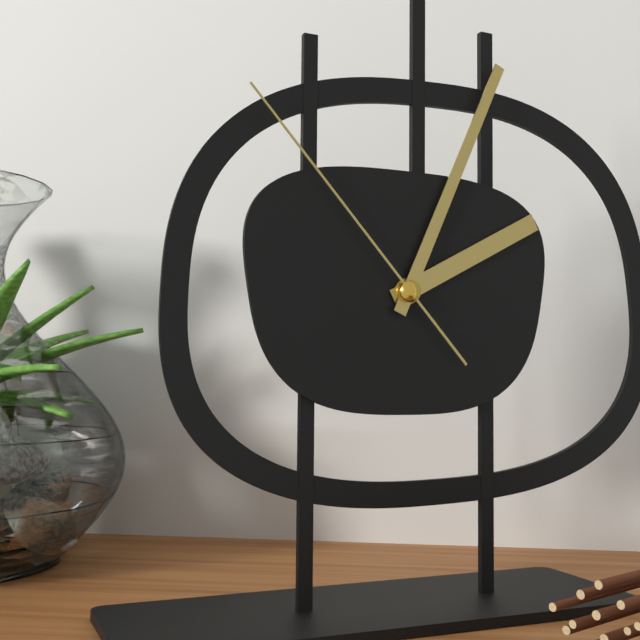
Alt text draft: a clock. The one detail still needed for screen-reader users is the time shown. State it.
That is 2:04:53
